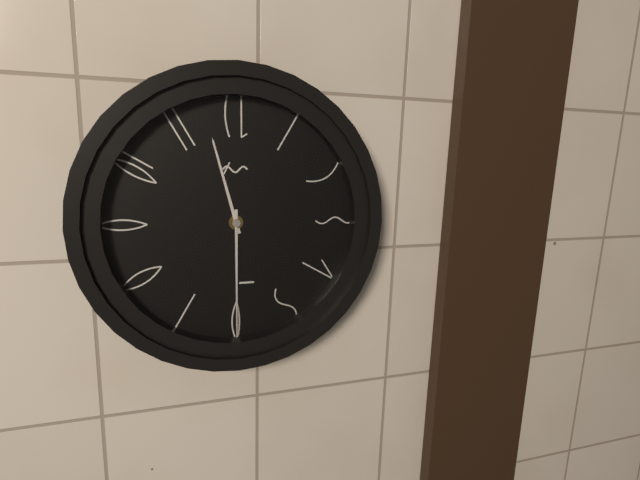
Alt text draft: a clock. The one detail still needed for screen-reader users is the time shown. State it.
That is 11:30
